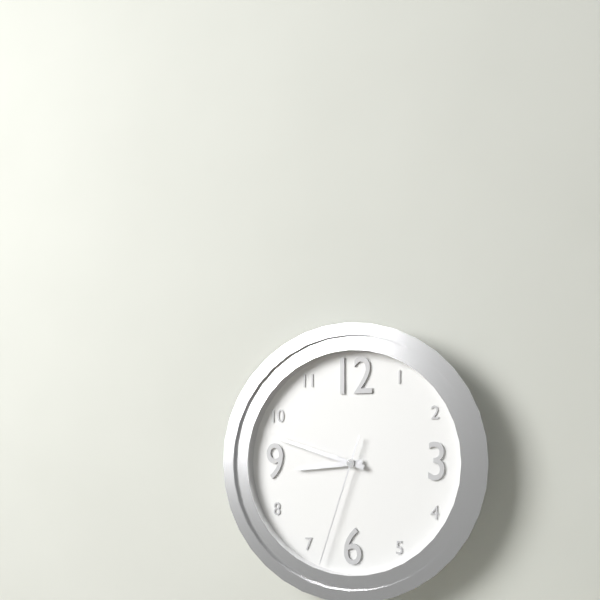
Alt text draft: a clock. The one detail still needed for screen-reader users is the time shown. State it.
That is 8:48:33
